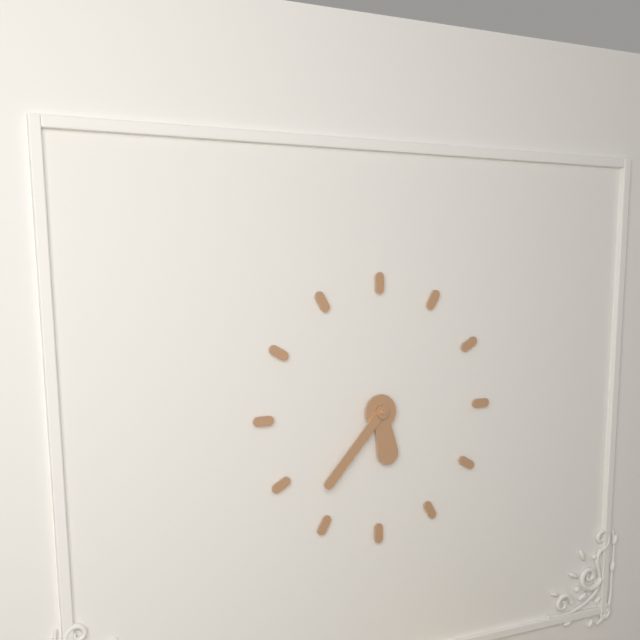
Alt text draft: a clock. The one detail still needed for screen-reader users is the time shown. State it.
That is 5:37
